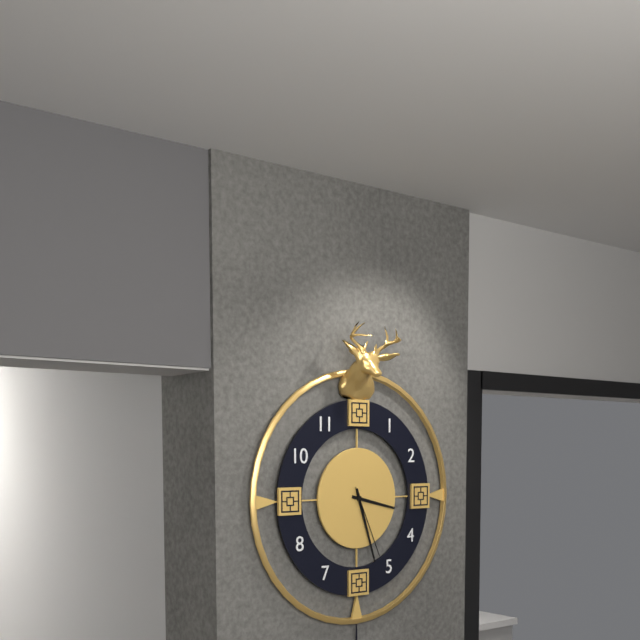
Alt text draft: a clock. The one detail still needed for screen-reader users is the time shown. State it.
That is 3:27:26
